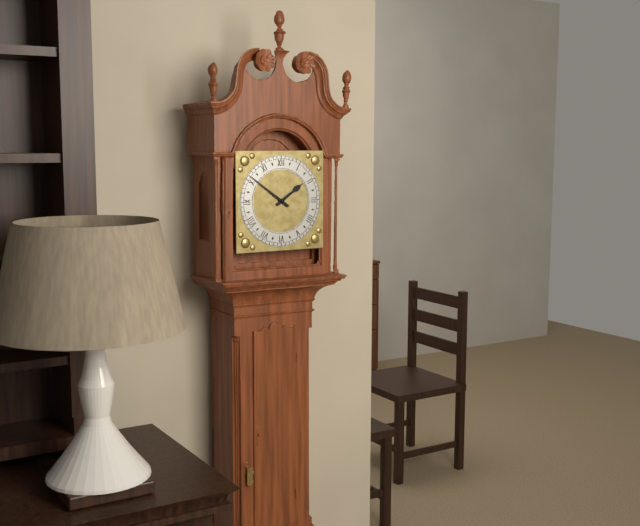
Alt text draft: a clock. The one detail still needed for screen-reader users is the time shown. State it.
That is 1:51
